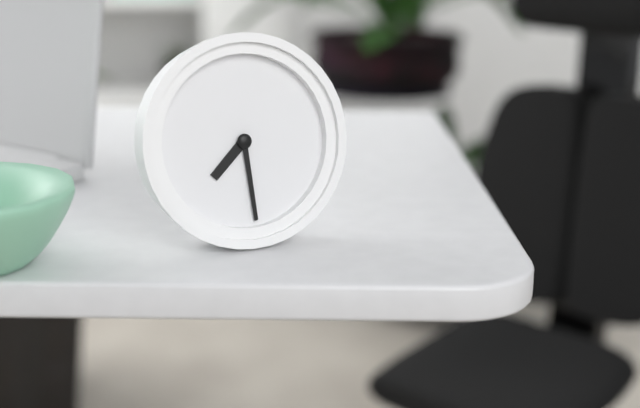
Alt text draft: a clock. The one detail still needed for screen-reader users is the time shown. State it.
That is 7:29
